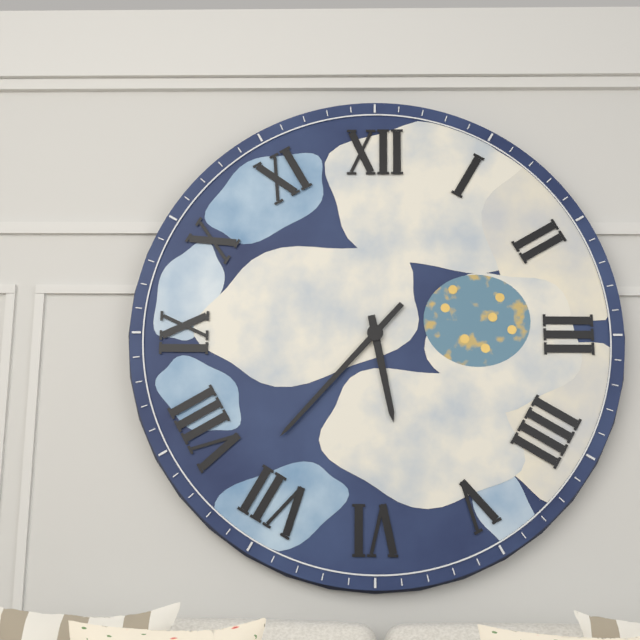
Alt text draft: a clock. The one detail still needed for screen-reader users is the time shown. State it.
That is 5:37
